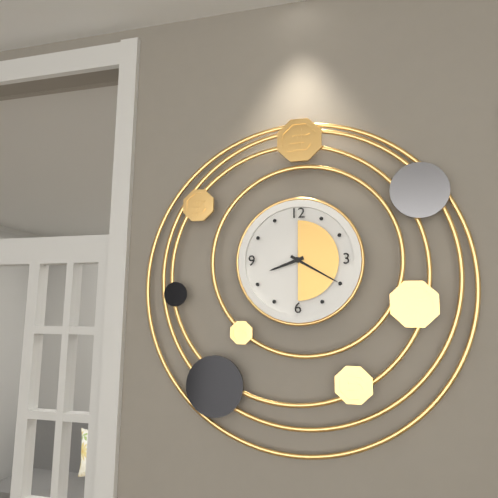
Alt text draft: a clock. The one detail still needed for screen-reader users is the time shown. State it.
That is 8:20
